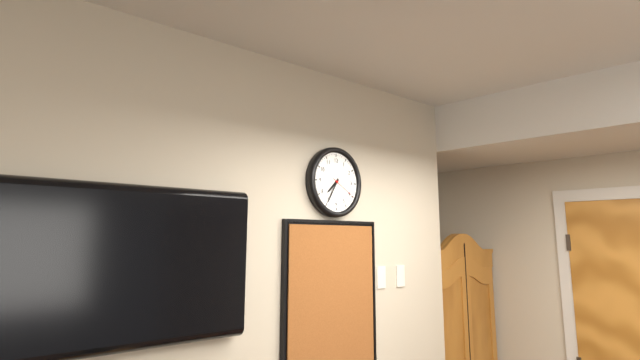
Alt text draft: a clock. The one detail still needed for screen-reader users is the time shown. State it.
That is 7:35
